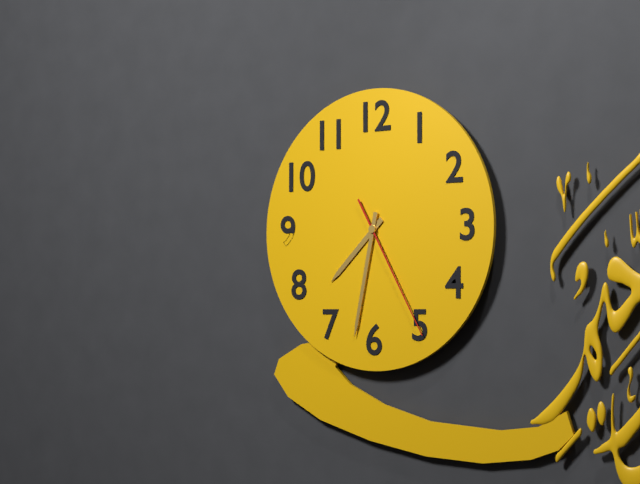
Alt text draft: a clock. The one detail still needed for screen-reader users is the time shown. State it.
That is 7:32:25
